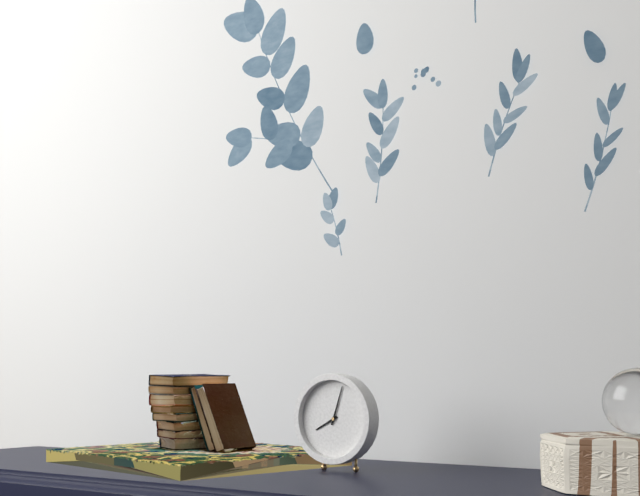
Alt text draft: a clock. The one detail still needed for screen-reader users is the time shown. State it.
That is 8:03
